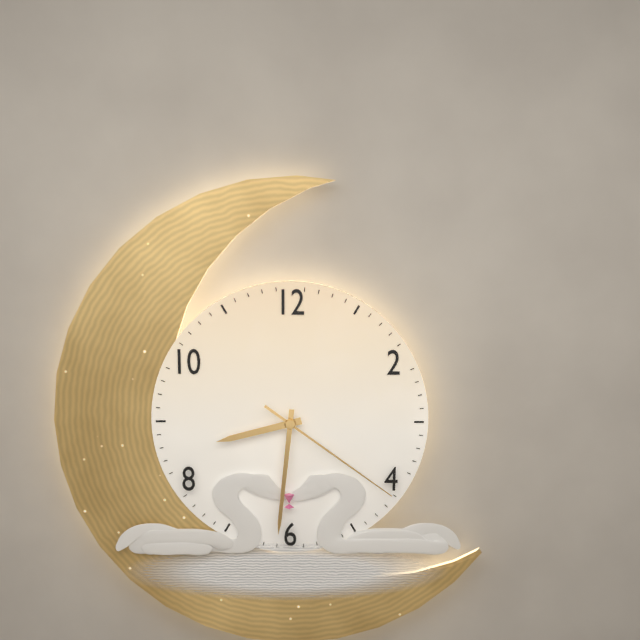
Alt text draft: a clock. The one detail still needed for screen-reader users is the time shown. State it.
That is 8:31:21
